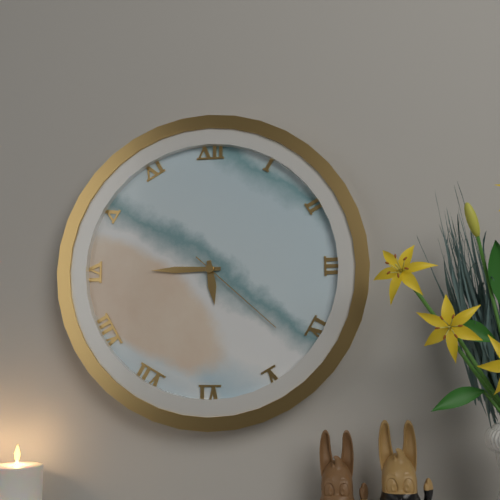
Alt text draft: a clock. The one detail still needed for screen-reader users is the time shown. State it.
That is 5:45:22
